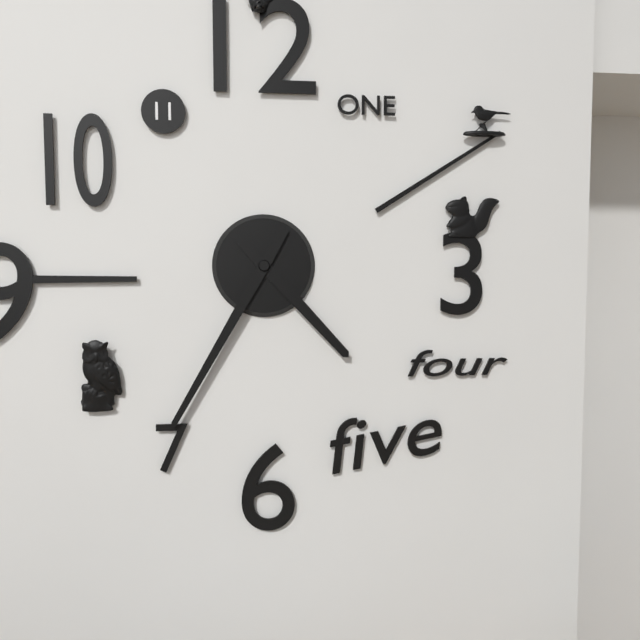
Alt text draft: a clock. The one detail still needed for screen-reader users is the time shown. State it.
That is 4:35
